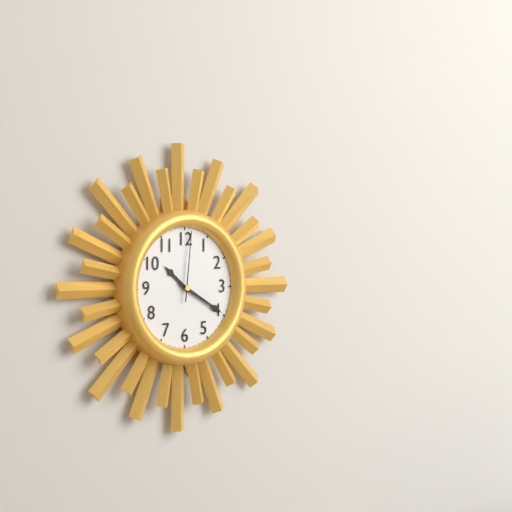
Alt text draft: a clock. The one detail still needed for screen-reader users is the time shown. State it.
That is 10:20:01
